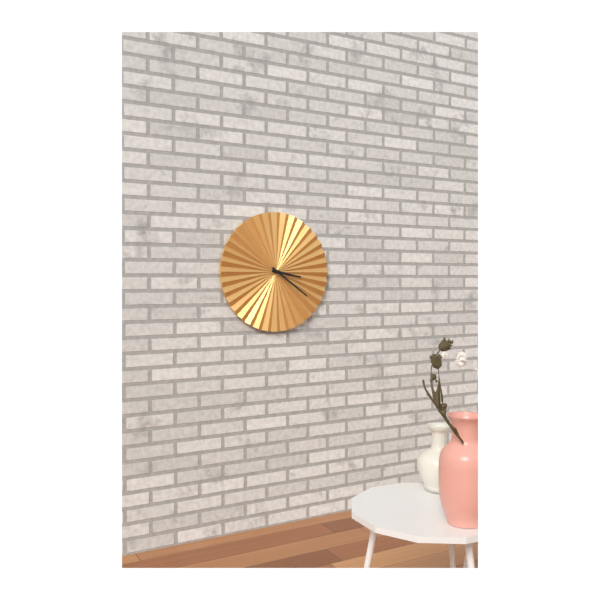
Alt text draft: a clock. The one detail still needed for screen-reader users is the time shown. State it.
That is 3:21
